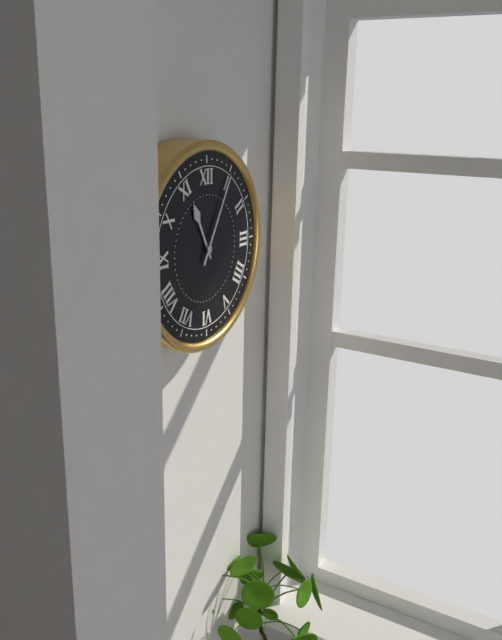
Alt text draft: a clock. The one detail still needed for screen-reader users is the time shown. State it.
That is 11:05
